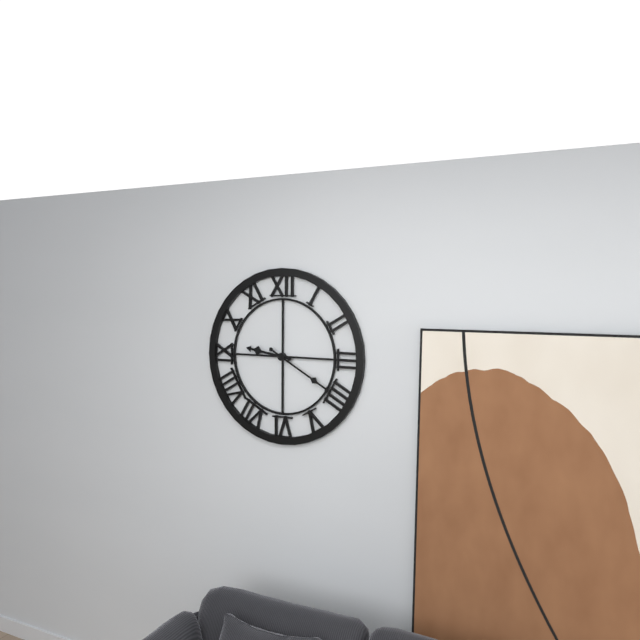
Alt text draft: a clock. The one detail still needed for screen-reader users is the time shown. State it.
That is 9:20
